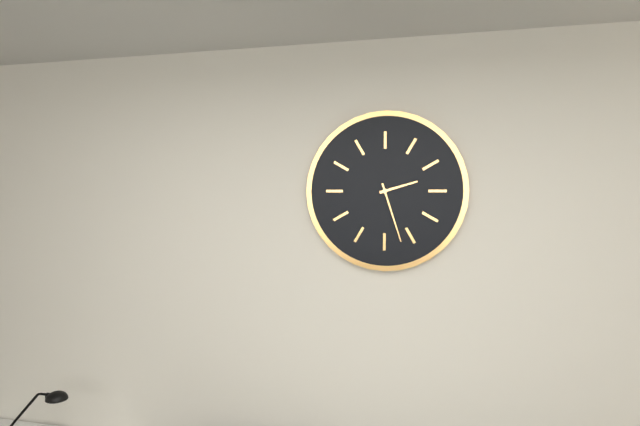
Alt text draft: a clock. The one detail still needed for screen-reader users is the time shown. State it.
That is 2:27
